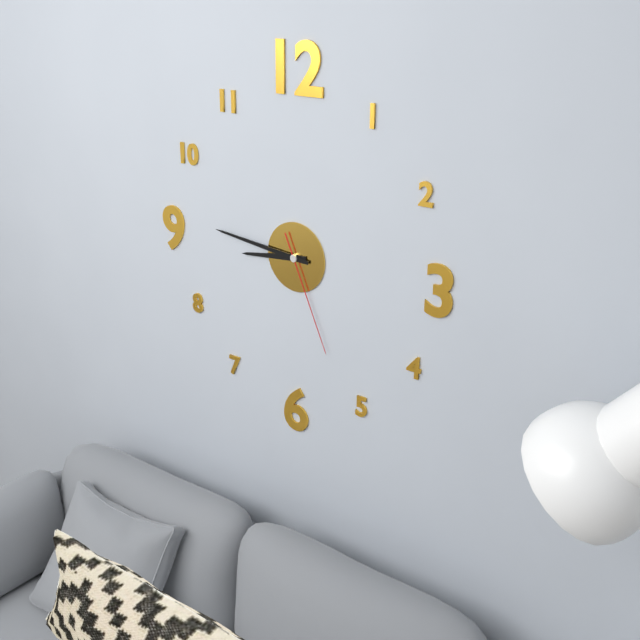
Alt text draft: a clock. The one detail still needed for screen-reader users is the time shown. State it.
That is 8:46:26
